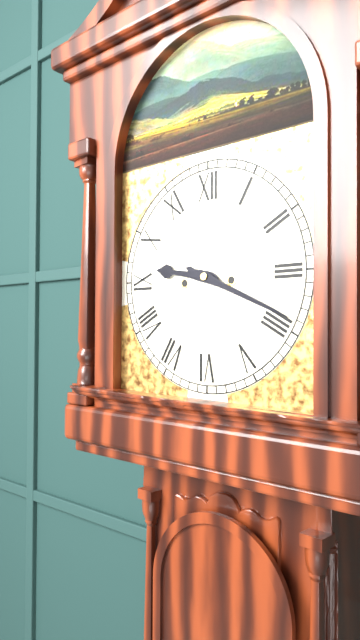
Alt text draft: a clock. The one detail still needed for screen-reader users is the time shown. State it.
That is 9:19
